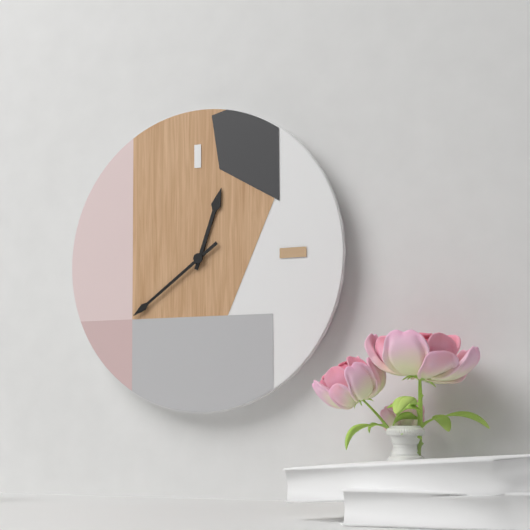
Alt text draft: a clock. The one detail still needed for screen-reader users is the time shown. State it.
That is 12:39
